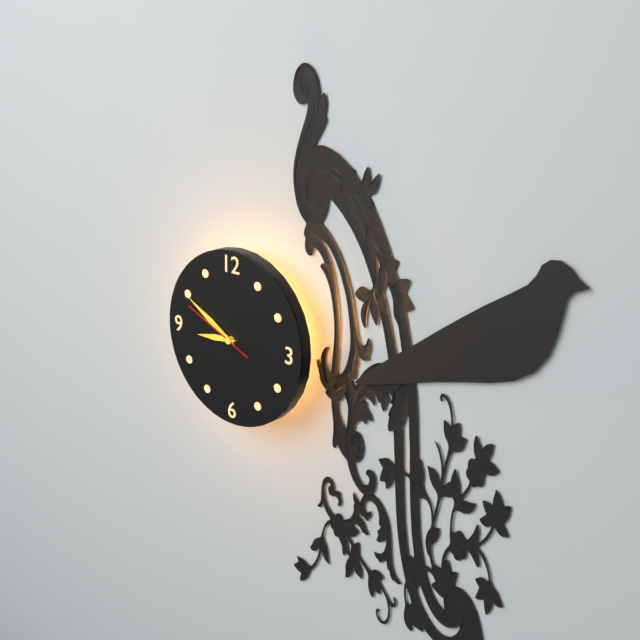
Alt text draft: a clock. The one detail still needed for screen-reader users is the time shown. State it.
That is 8:50:49
